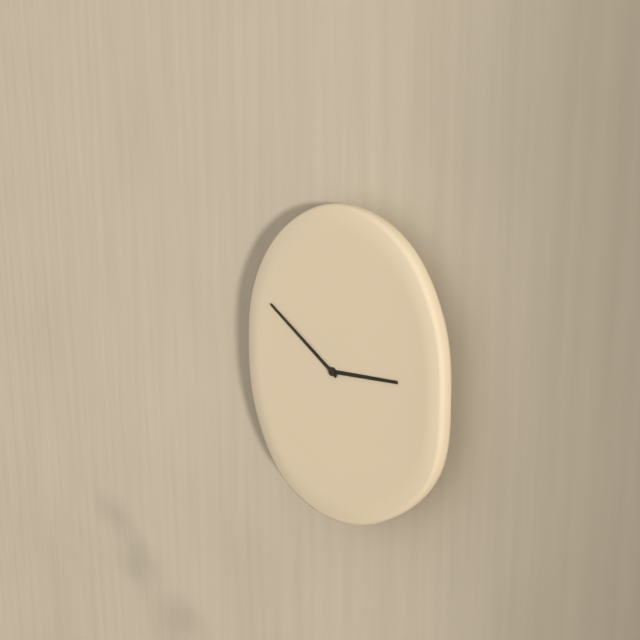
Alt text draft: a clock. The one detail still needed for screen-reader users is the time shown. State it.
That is 2:50
